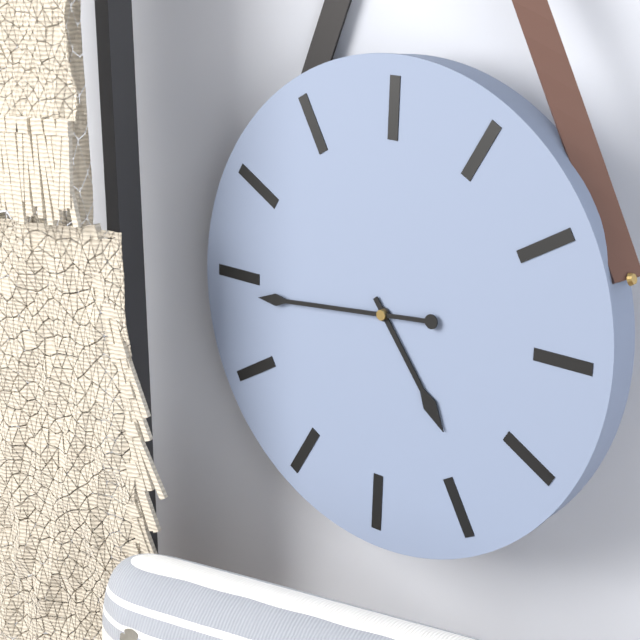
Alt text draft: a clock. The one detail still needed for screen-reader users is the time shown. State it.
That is 4:44
